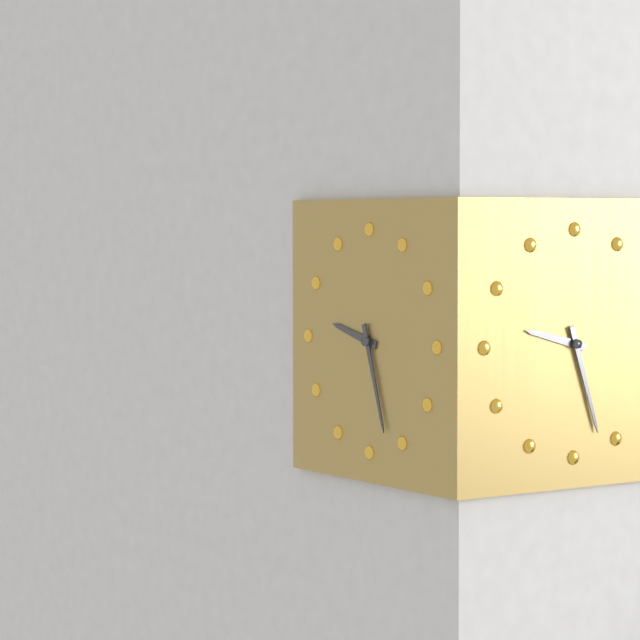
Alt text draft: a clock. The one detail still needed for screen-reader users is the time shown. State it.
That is 9:27
